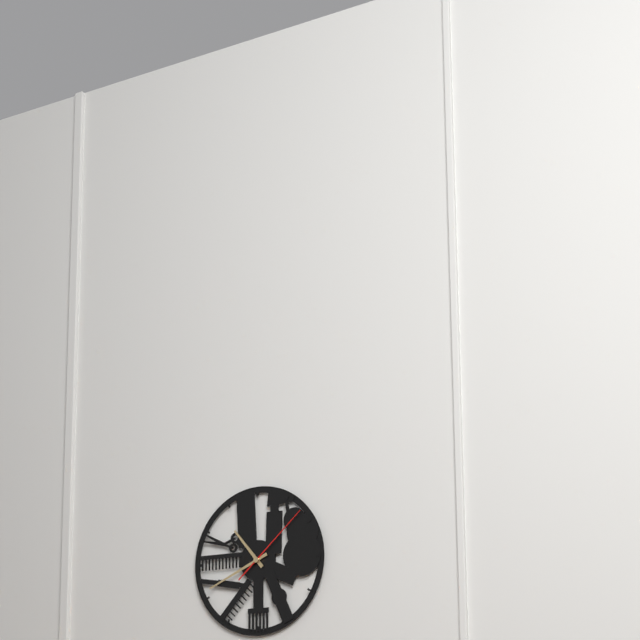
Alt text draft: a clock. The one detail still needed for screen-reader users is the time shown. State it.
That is 10:41:08
